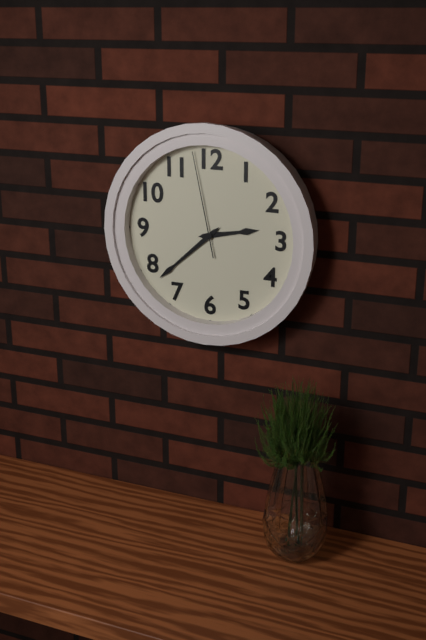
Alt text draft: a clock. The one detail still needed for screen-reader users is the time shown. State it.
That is 2:38:58
